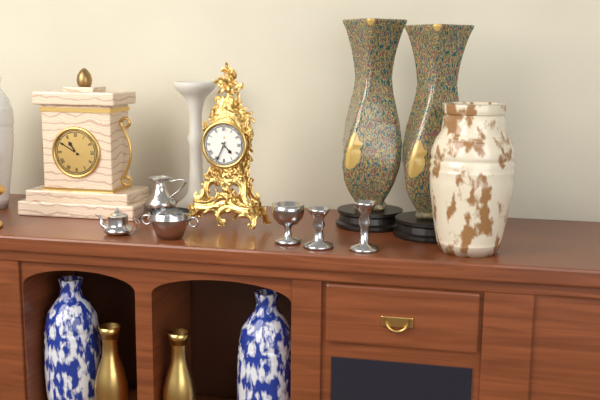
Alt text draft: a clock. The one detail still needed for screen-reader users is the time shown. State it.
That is 4:34
